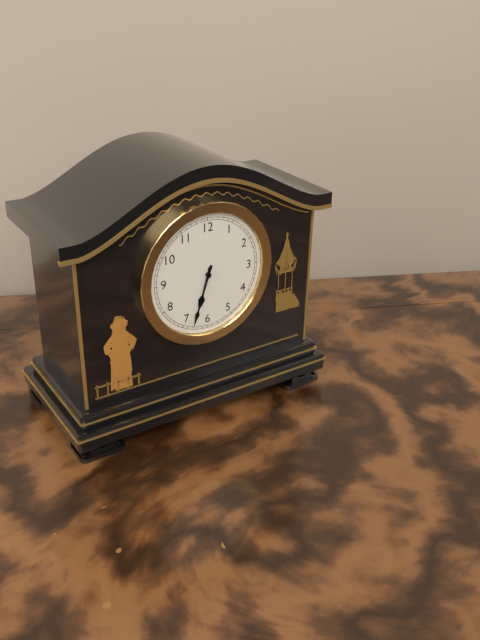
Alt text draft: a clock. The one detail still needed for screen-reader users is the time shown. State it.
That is 6:33
